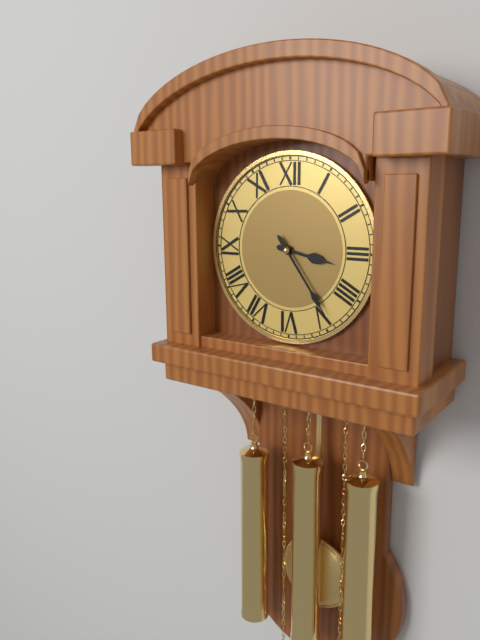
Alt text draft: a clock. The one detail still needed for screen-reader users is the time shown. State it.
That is 3:24
